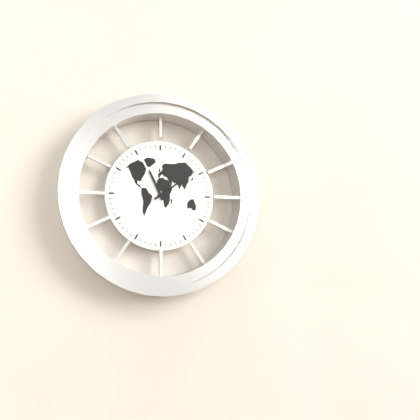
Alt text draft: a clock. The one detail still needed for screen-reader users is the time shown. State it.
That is 11:09
